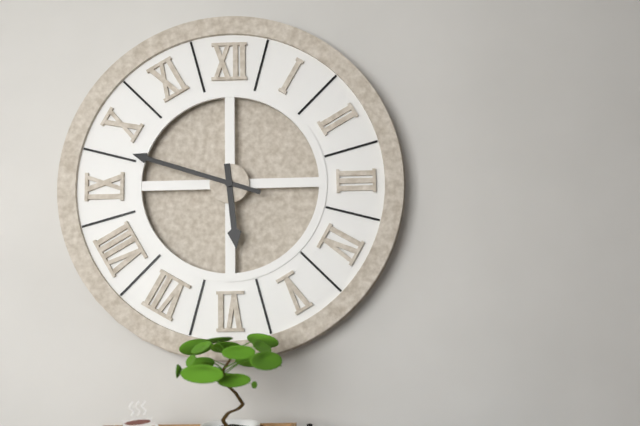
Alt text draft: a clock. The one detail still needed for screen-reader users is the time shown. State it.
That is 5:48
